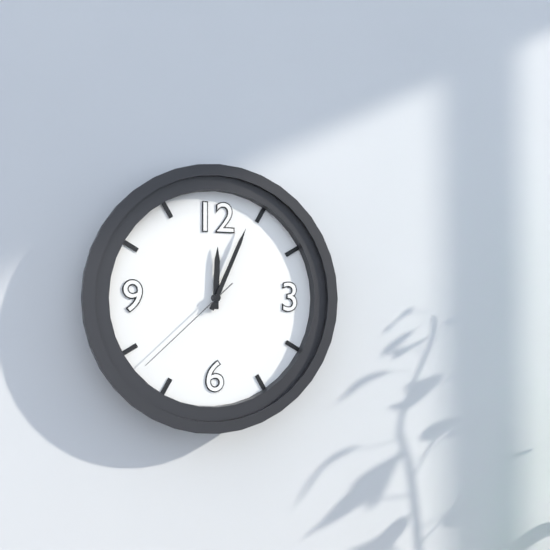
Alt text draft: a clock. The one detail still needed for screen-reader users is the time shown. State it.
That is 12:04:38
